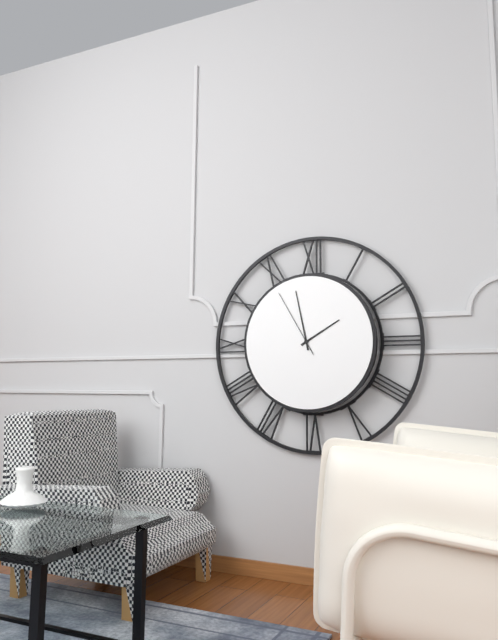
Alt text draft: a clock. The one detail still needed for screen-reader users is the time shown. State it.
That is 1:58:55
